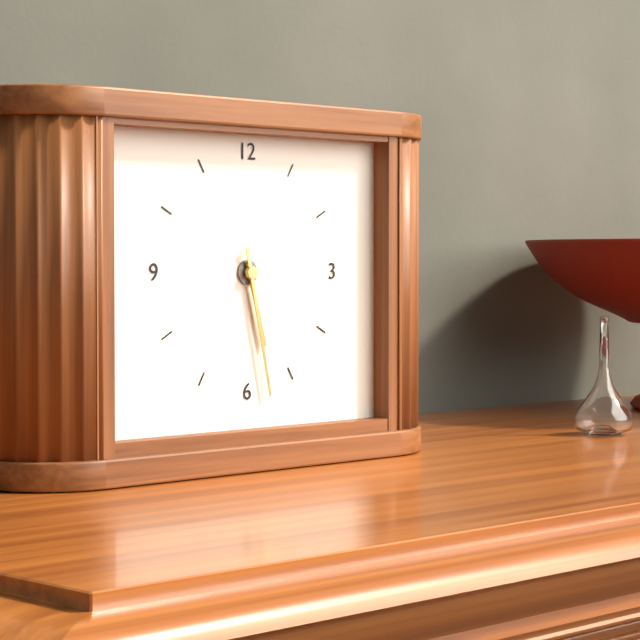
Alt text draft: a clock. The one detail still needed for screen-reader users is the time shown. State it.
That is 5:28
